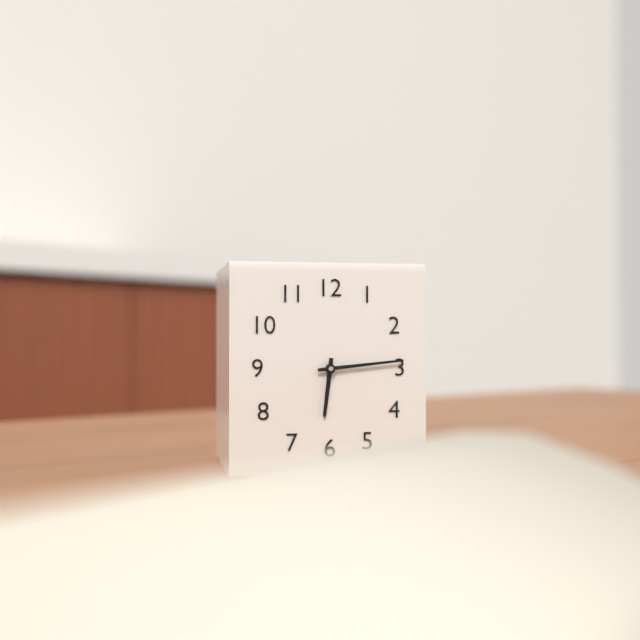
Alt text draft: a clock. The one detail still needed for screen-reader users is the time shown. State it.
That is 6:14
